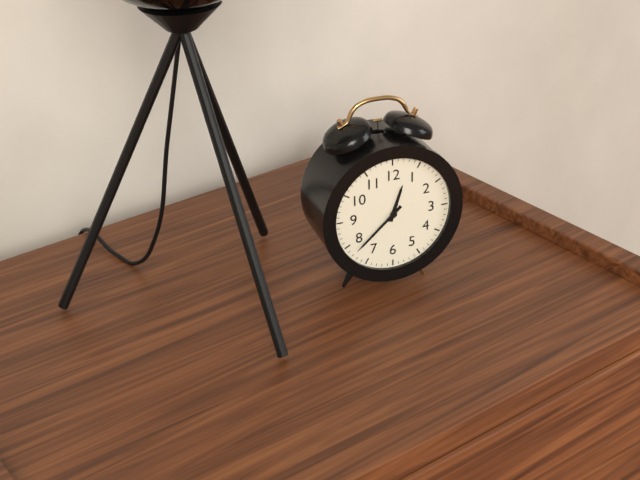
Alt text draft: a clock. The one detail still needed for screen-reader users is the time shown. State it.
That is 12:38
